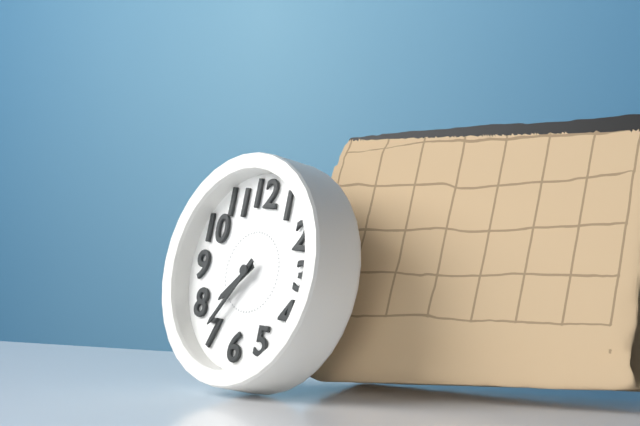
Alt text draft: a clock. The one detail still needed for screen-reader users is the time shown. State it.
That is 7:36
